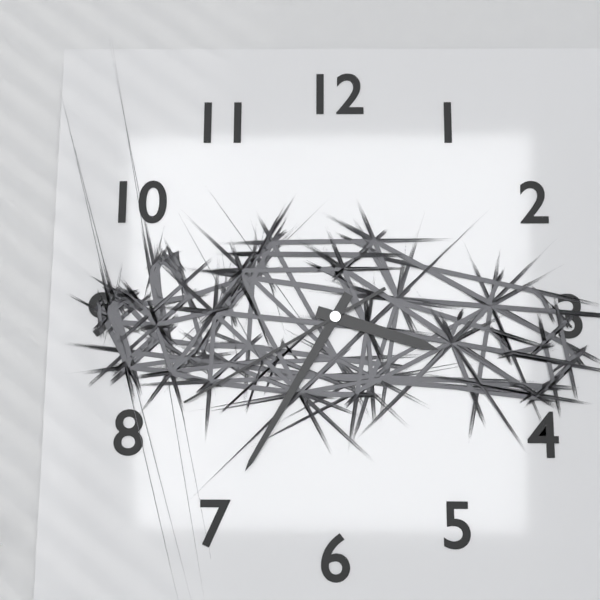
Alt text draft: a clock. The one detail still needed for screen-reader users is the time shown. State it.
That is 3:35:40
